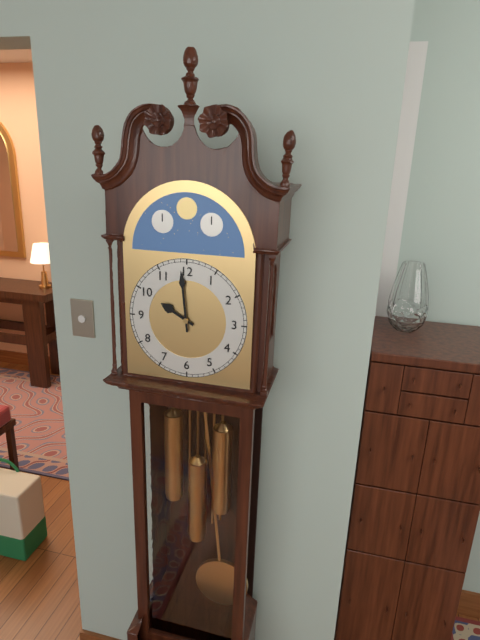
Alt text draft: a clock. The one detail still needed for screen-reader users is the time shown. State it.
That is 9:59
